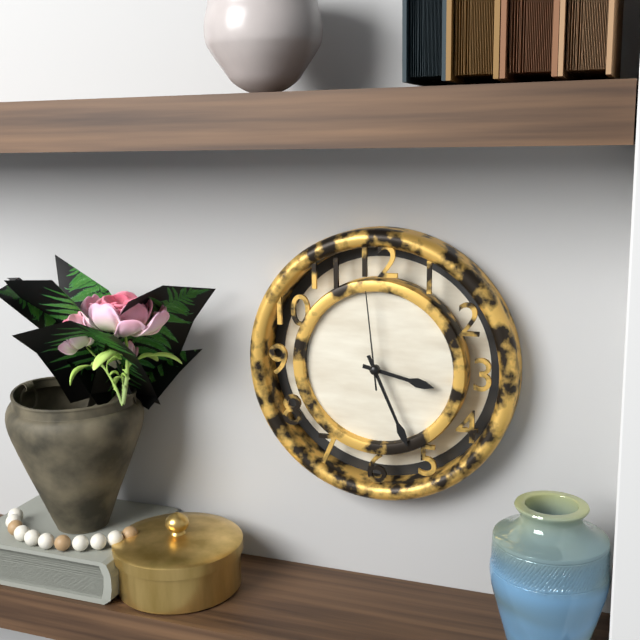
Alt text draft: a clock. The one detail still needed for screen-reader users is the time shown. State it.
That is 3:26:59
